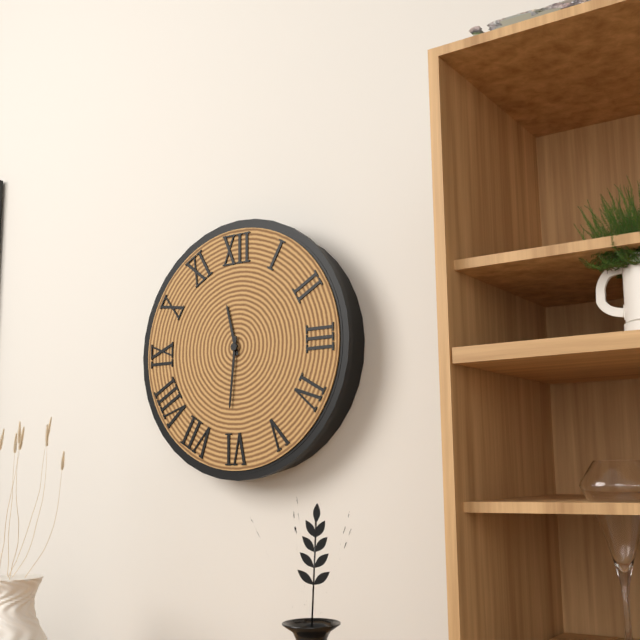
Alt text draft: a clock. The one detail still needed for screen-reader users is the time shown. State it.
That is 11:31
